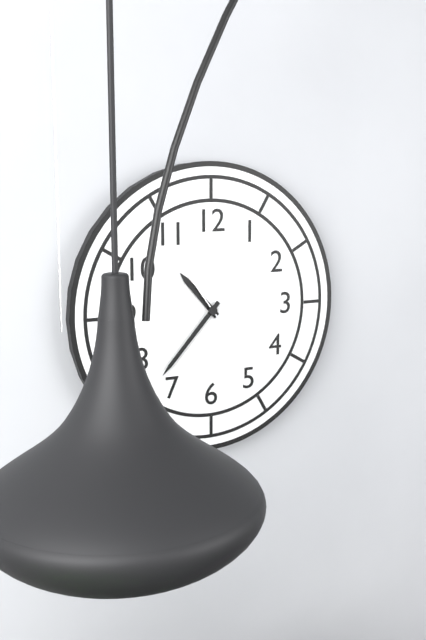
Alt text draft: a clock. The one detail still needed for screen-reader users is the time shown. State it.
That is 10:37:54
